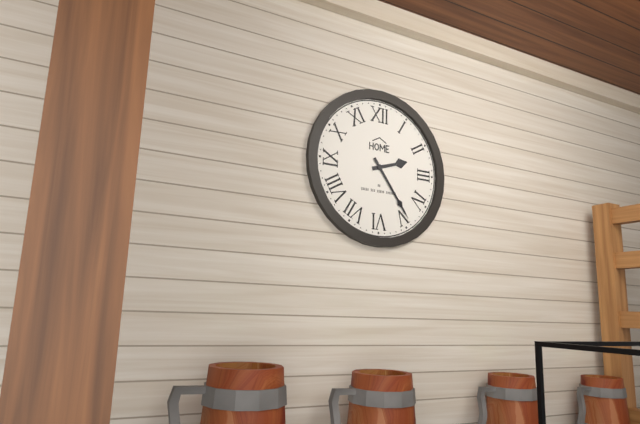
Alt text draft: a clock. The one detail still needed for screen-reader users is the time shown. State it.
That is 2:24
